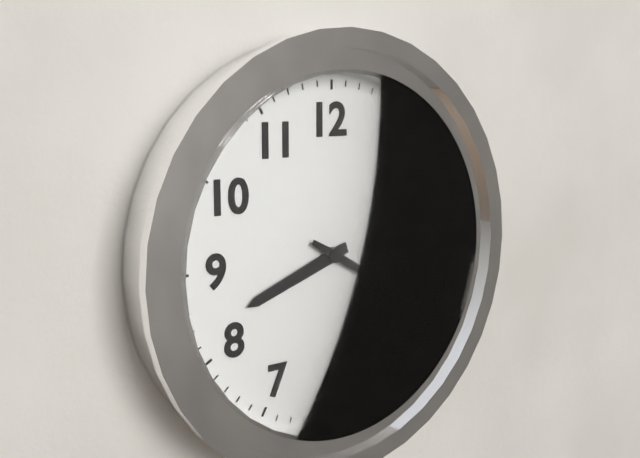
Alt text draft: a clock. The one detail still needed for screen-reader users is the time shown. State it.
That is 8:20
